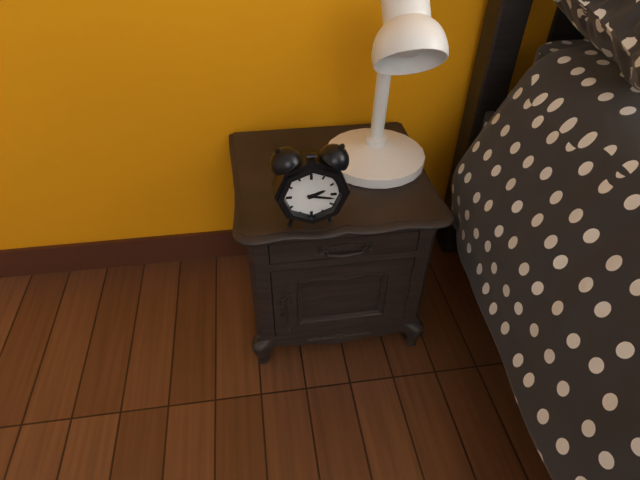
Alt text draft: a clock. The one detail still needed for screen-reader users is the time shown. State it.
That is 2:17
